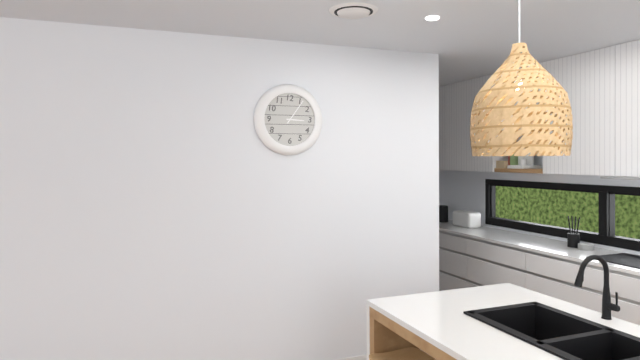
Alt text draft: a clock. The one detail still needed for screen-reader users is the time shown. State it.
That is 3:06
